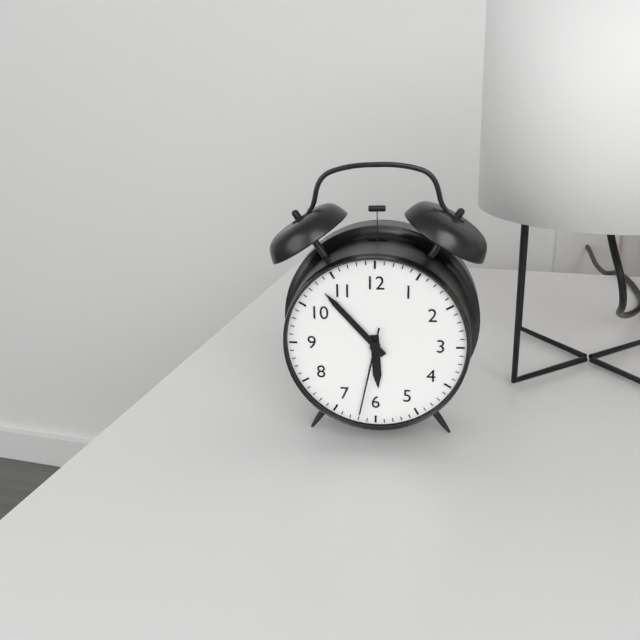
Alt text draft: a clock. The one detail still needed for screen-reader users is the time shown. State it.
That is 5:53:32
